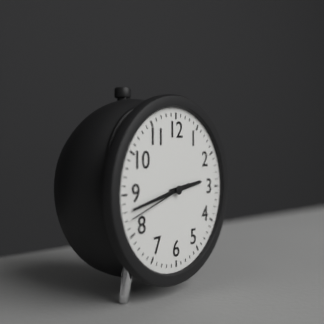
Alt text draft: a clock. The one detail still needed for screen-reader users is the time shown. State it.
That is 2:43:42
